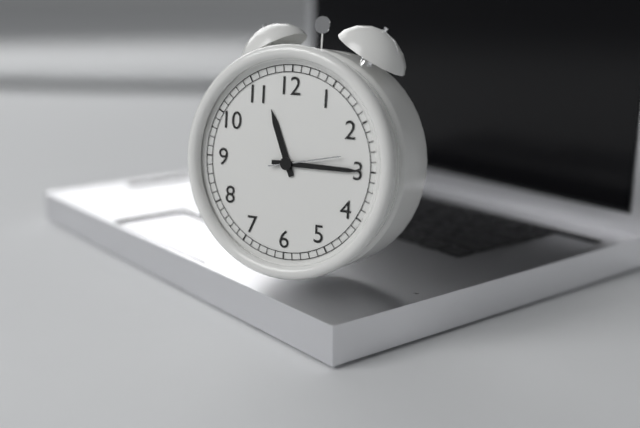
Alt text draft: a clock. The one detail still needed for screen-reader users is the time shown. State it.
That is 11:15:13
